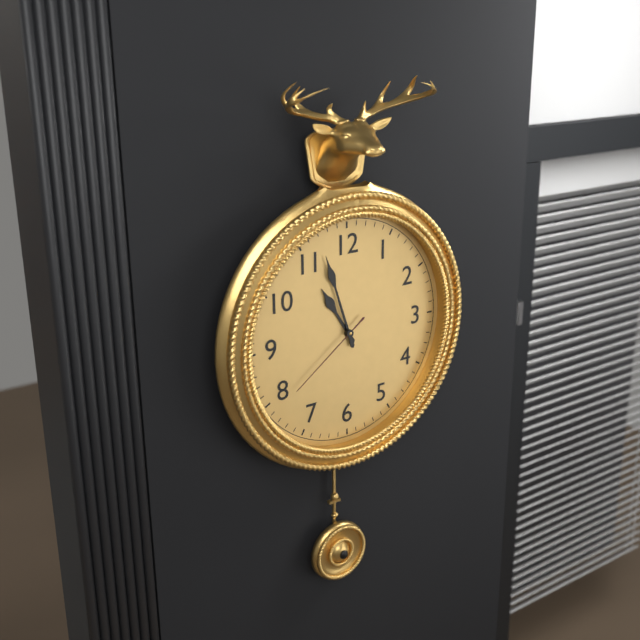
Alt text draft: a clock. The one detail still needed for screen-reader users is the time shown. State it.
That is 10:57:39
